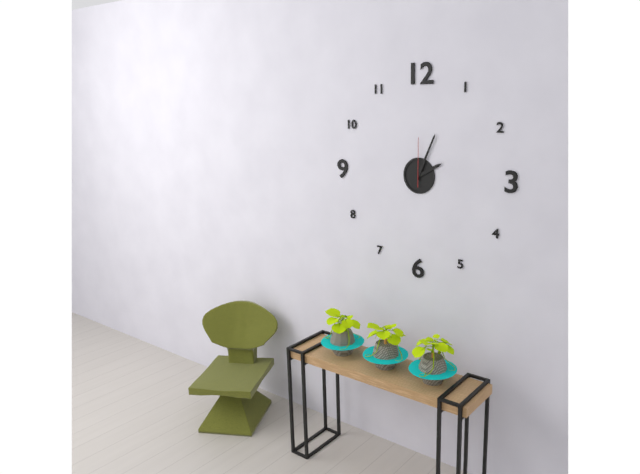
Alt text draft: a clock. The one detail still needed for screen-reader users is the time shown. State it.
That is 2:04
